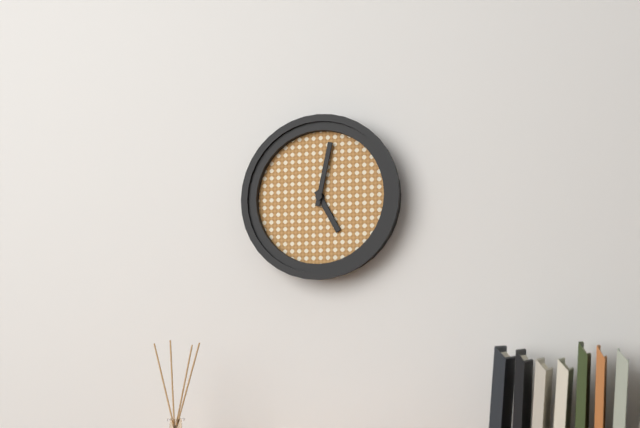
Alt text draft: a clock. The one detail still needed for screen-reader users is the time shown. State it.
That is 5:02
